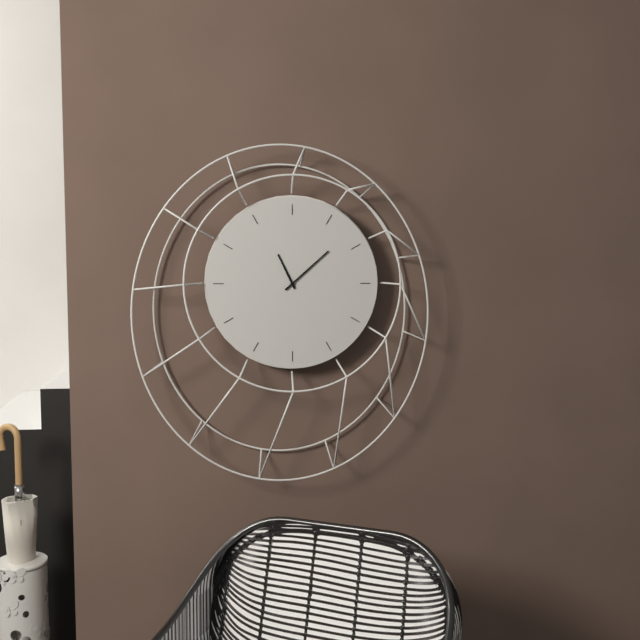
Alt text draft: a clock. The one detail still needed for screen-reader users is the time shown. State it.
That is 11:08
